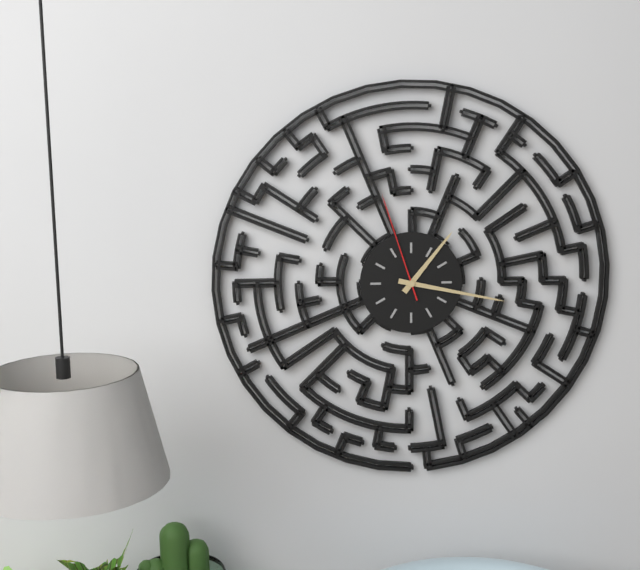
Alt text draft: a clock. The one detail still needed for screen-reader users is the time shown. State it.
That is 1:17:57
